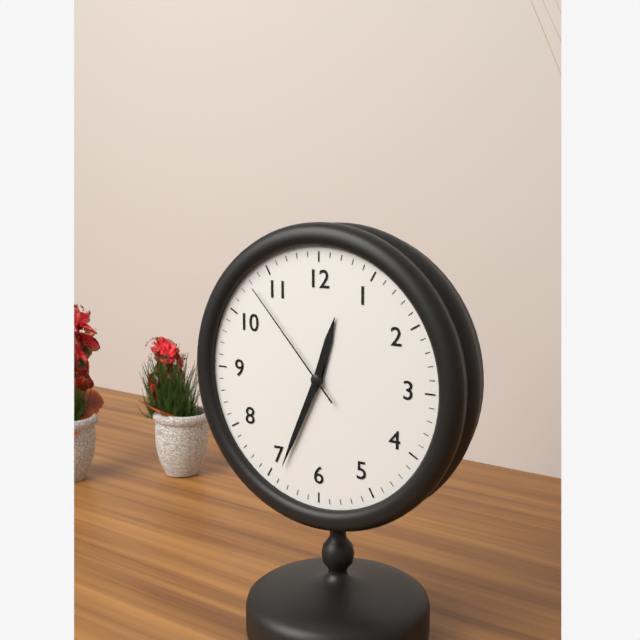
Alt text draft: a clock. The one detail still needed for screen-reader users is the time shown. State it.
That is 12:34:53
